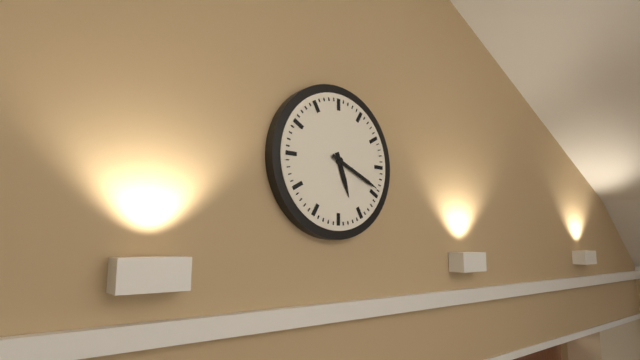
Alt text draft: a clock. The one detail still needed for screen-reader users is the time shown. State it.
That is 5:19
